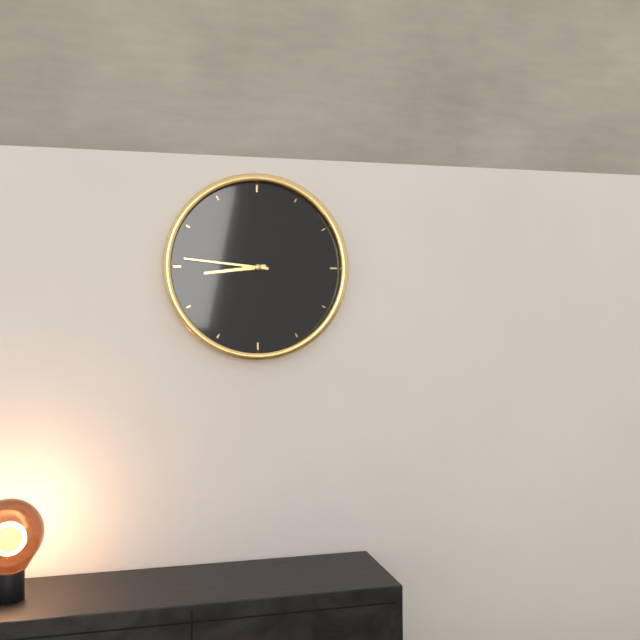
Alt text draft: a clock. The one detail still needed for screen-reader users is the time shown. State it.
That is 8:46
